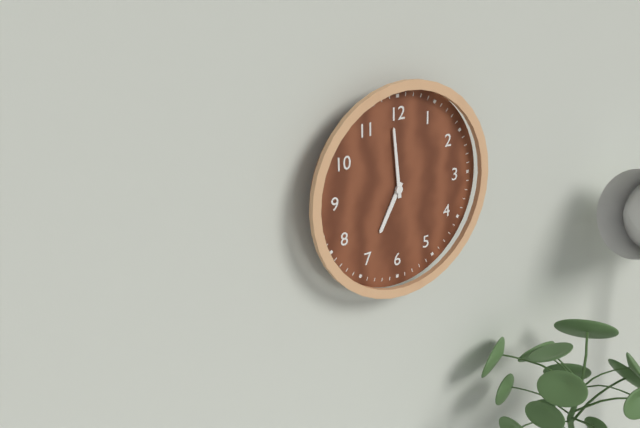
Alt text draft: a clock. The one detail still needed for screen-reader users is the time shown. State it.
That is 6:59
